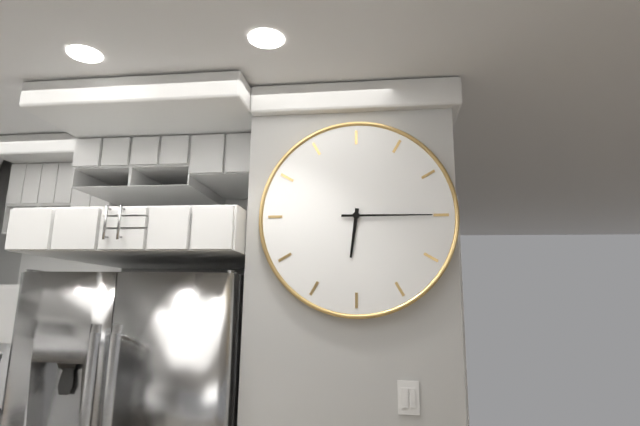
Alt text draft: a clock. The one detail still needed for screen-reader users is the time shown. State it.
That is 6:15
